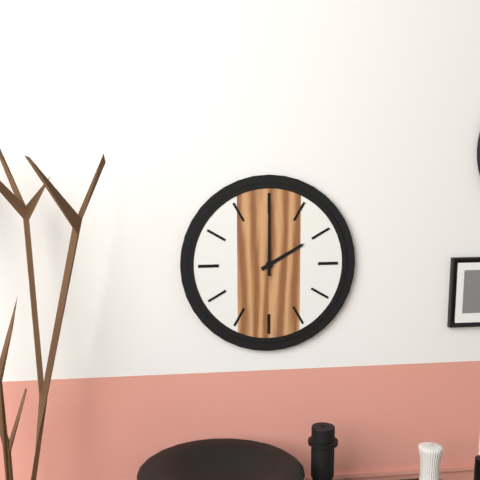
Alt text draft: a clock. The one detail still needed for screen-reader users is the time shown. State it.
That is 2:00
